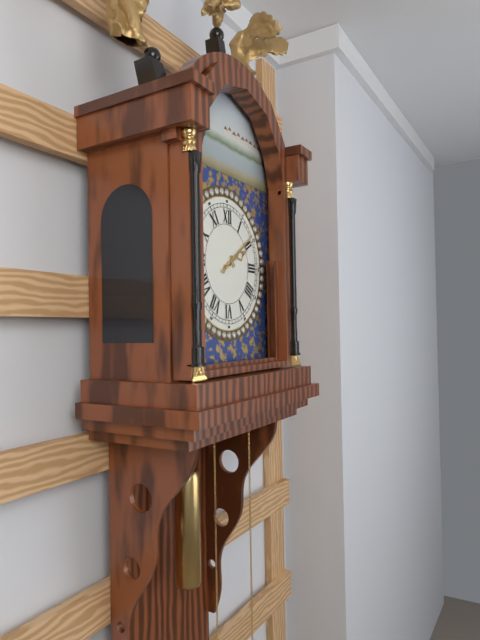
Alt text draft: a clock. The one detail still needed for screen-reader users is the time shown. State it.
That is 2:09
